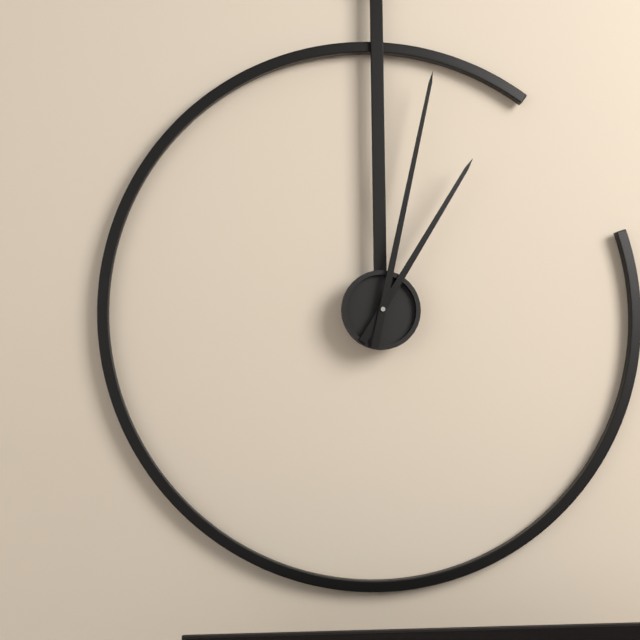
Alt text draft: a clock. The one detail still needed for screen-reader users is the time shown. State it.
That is 1:02
